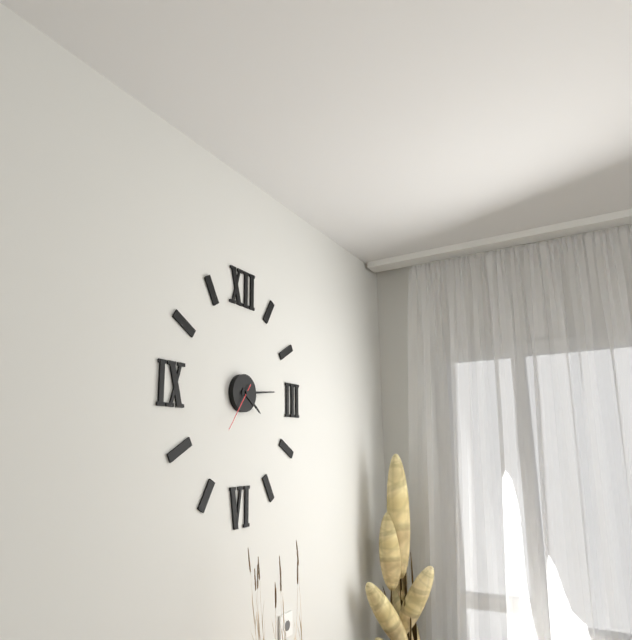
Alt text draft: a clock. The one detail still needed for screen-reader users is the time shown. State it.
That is 4:14
